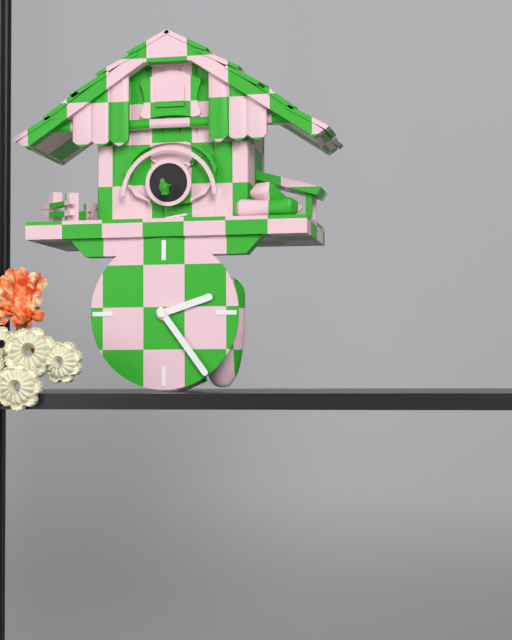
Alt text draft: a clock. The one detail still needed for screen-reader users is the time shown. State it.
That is 2:24
